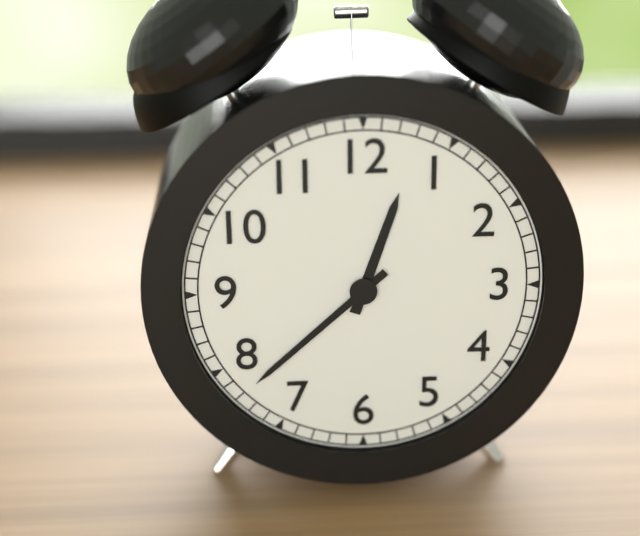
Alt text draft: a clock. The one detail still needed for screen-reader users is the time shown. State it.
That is 12:38
